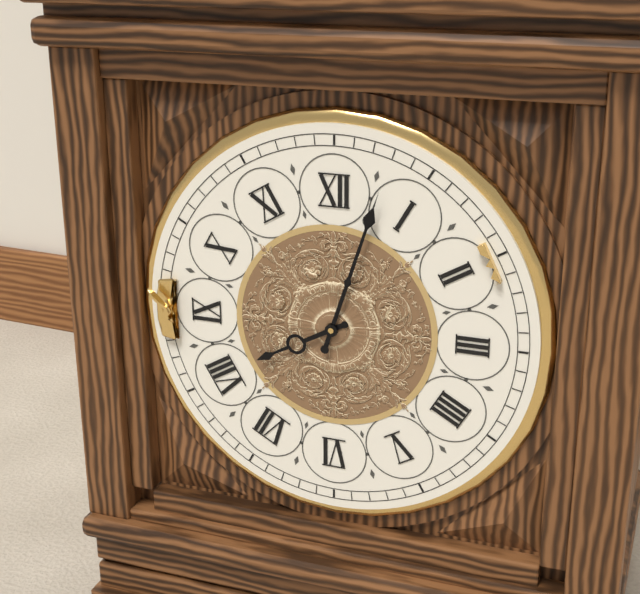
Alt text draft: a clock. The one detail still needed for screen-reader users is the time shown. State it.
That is 8:03
